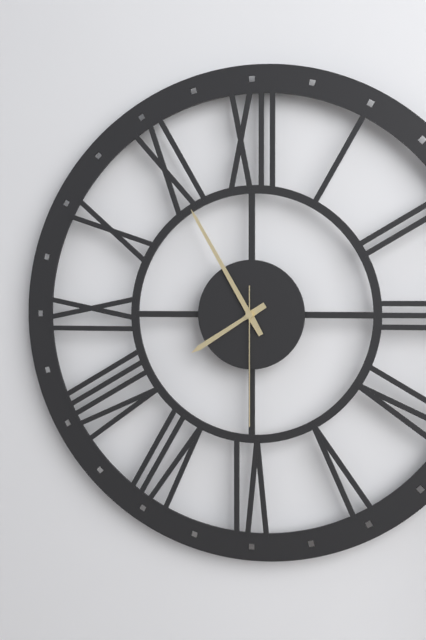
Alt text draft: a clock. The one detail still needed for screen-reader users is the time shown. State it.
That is 7:55:30
